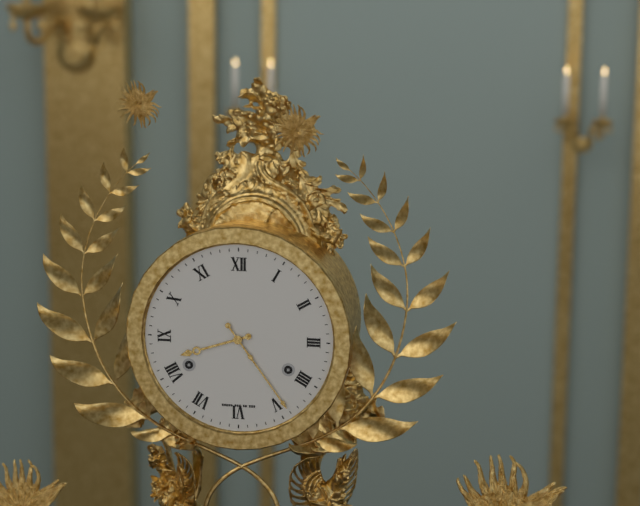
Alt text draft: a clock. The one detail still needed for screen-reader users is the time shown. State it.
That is 8:24
